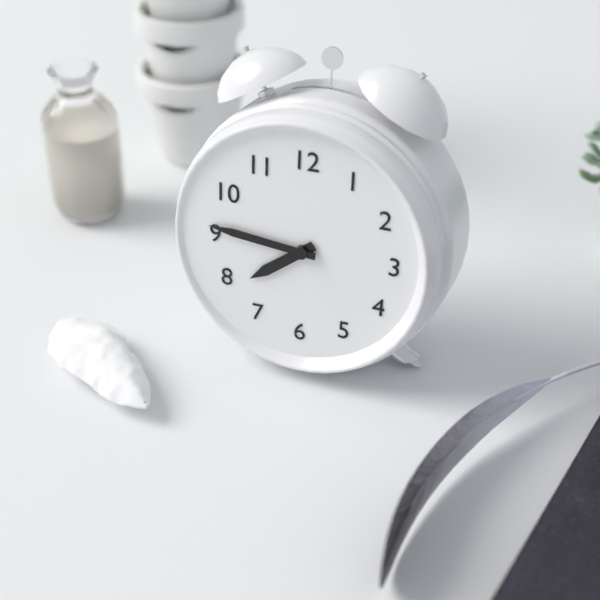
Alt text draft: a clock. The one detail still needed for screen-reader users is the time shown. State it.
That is 7:46
